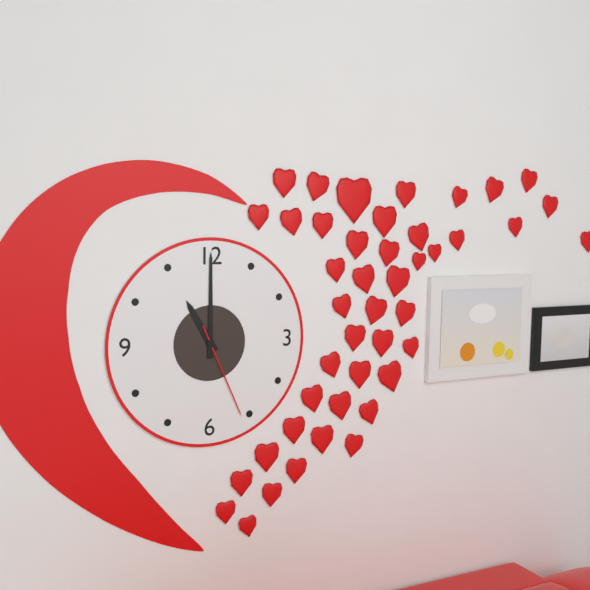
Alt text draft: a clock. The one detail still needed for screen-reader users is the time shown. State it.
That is 11:00:26
